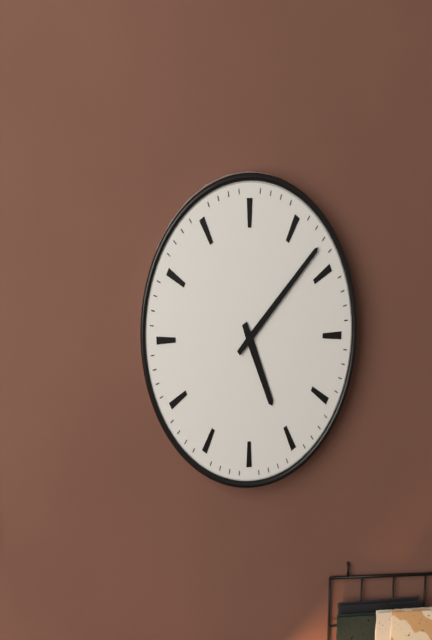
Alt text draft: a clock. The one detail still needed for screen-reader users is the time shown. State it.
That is 5:08
